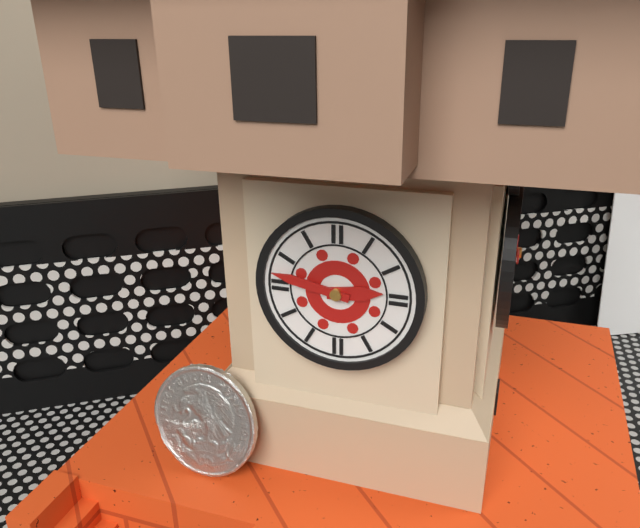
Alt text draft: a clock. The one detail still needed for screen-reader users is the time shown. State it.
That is 2:47
